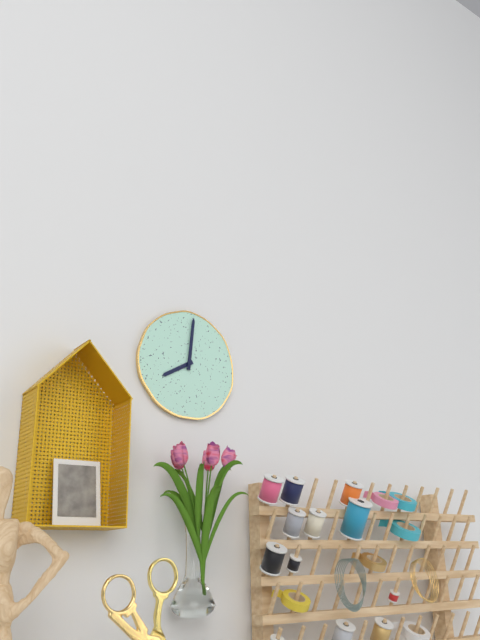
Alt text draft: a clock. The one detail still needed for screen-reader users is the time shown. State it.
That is 8:01
